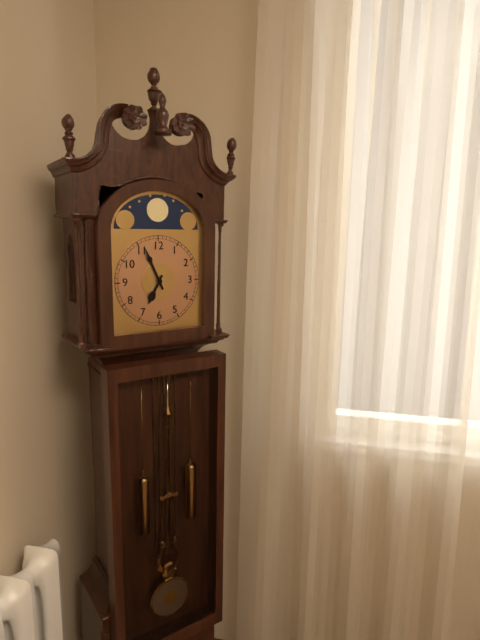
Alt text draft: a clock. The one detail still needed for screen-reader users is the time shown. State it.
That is 6:56
